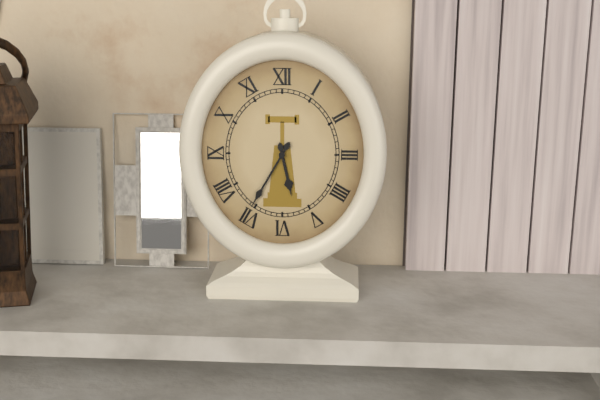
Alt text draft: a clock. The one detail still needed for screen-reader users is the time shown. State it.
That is 5:35
